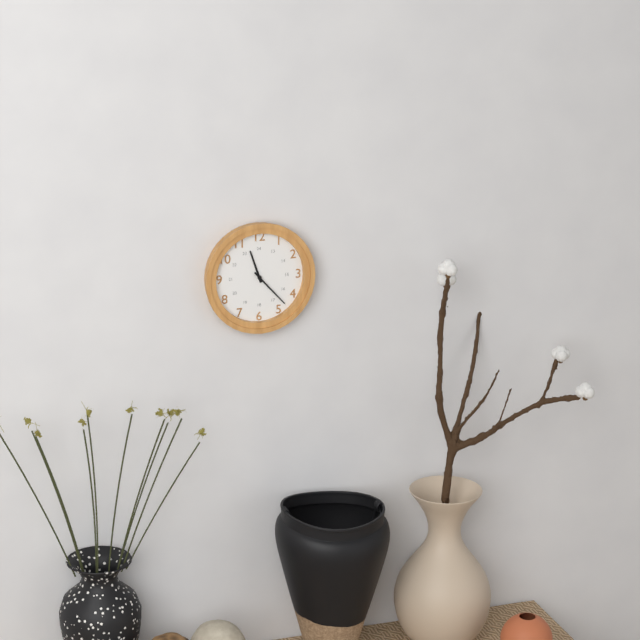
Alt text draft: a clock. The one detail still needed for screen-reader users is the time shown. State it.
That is 11:23
